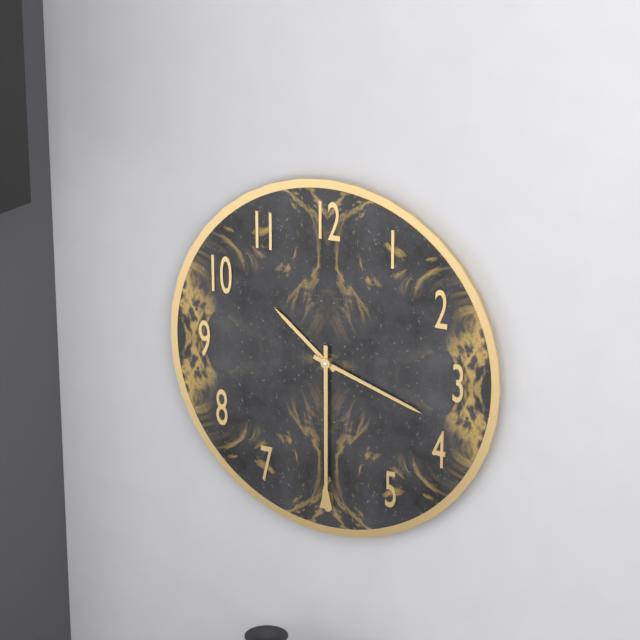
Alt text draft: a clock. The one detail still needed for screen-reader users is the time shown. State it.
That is 10:18:30
